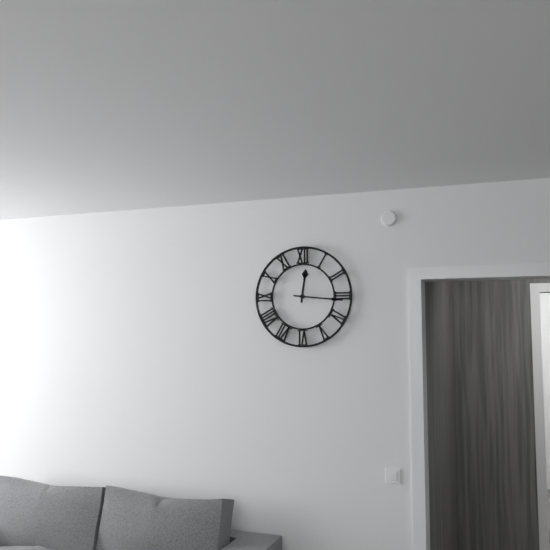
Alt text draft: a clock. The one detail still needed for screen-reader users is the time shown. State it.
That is 12:16
